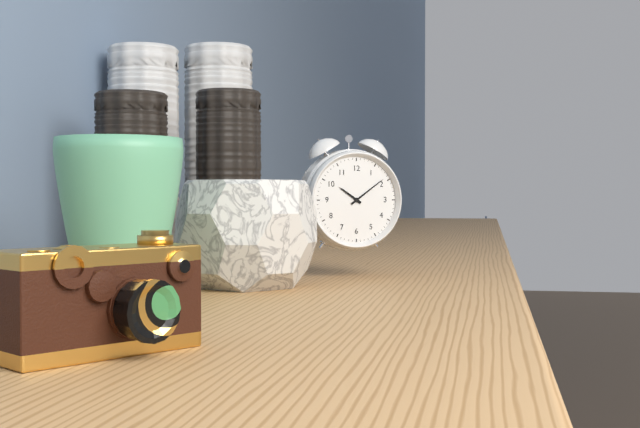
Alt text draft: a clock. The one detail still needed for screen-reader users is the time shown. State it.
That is 10:09
